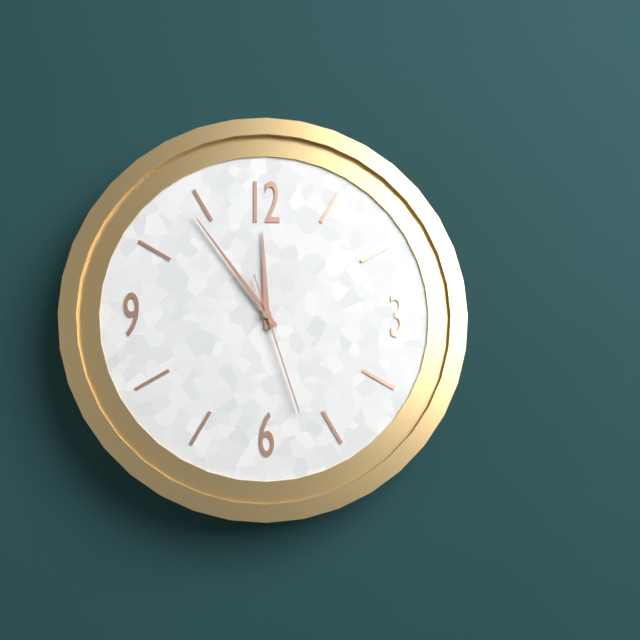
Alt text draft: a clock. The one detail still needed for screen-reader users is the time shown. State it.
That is 11:54:27
